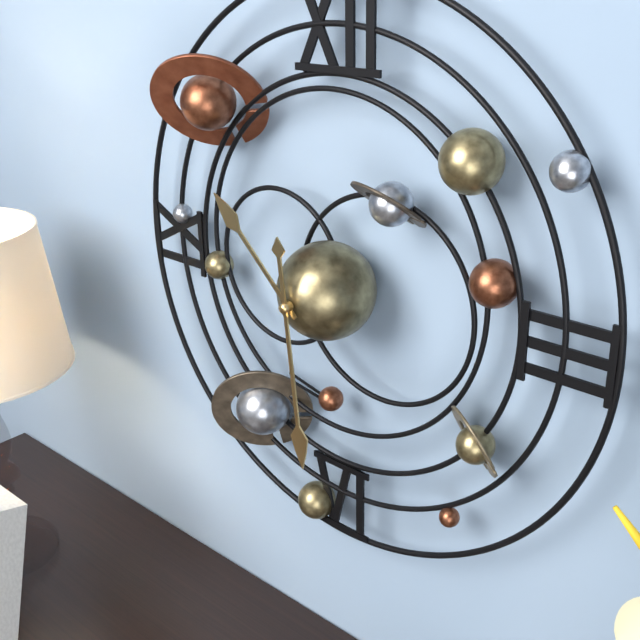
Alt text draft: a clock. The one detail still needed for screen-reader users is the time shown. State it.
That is 10:29
